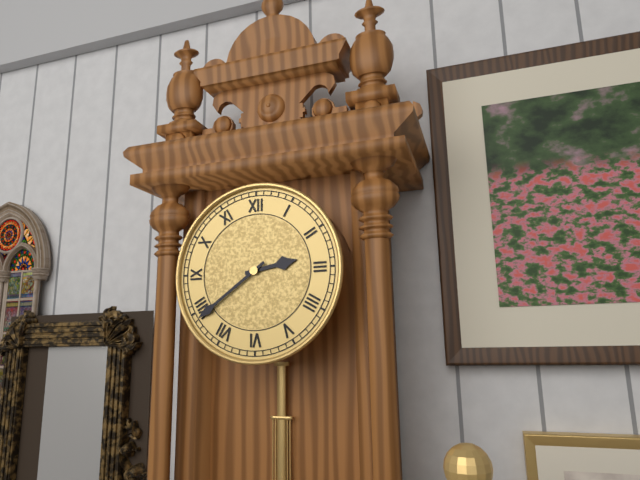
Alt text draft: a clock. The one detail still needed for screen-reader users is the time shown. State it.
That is 2:39
